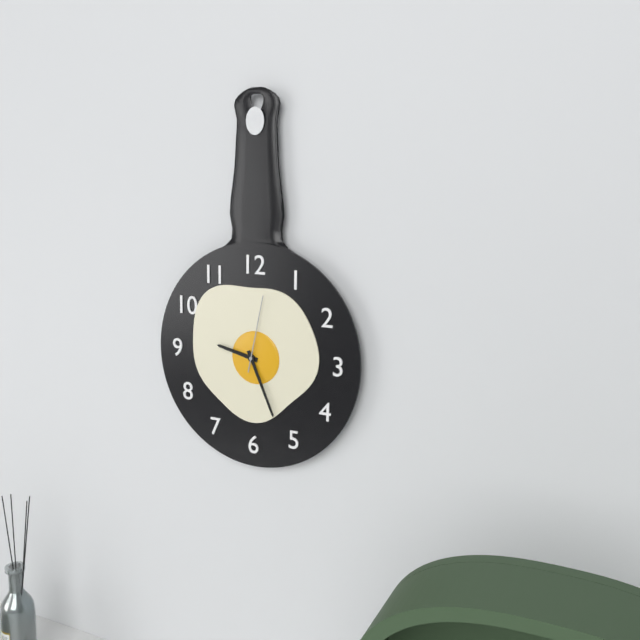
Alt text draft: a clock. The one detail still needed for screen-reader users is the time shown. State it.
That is 9:26:02
